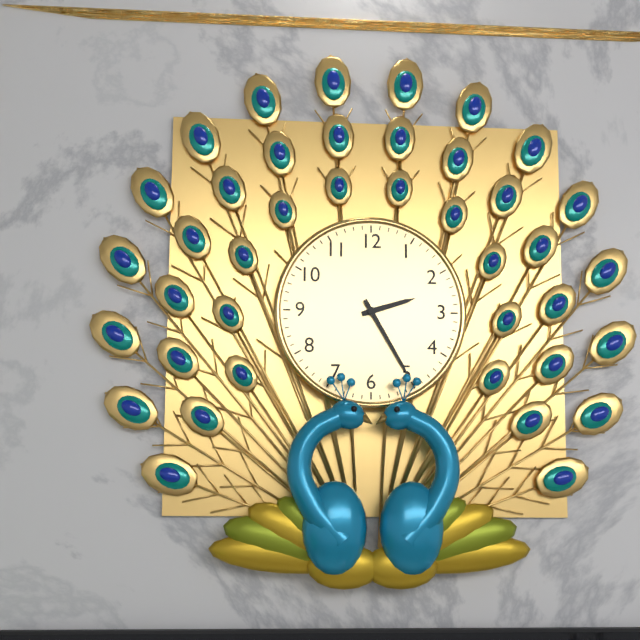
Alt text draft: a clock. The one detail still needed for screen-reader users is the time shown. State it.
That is 2:25
